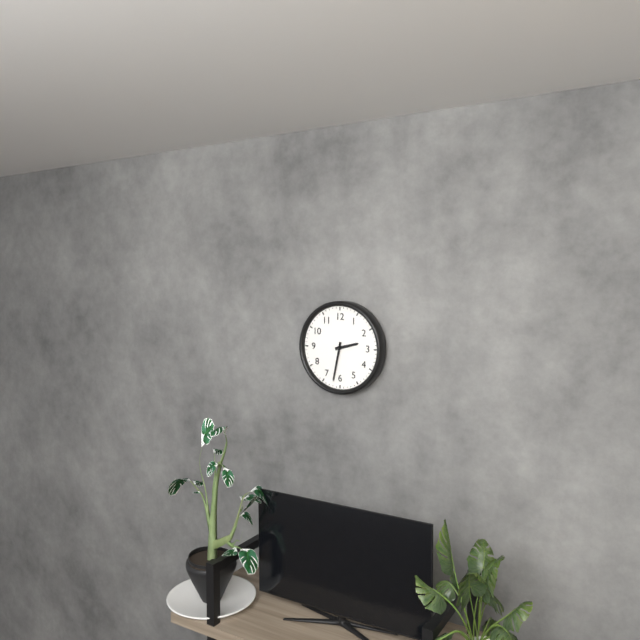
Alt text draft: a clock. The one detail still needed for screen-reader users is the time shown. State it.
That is 2:32
